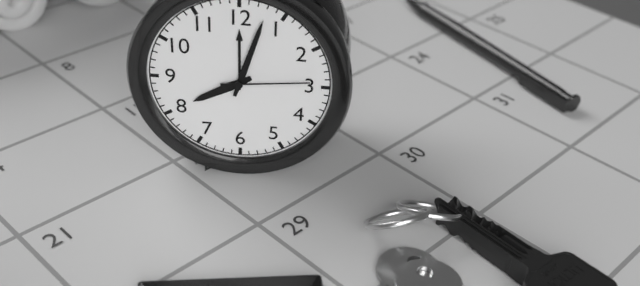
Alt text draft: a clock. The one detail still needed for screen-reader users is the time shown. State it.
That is 8:03:14
